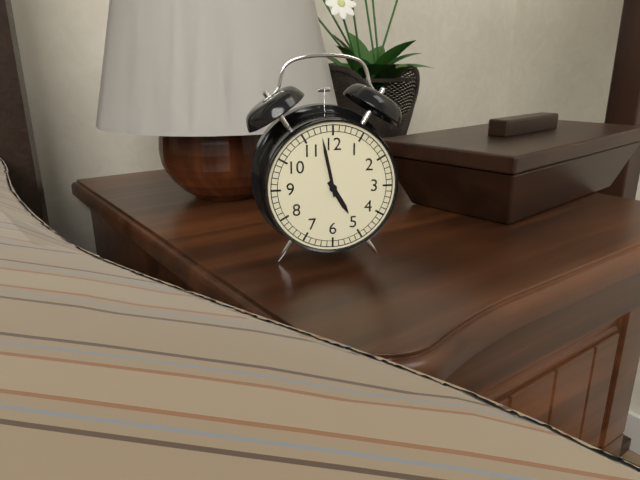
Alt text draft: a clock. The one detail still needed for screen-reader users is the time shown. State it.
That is 4:58
